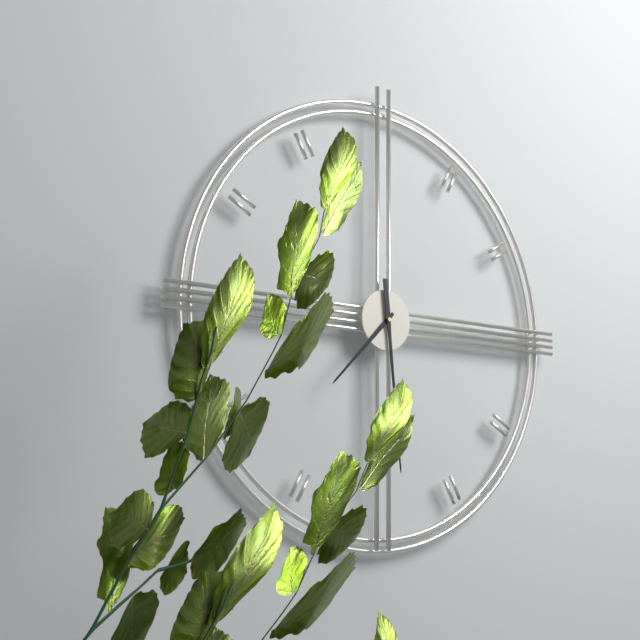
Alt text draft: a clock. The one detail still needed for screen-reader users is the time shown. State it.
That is 7:29
